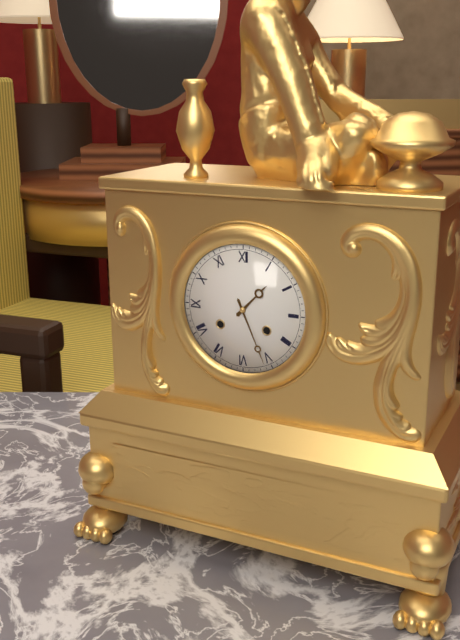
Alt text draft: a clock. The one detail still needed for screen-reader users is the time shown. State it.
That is 1:26
